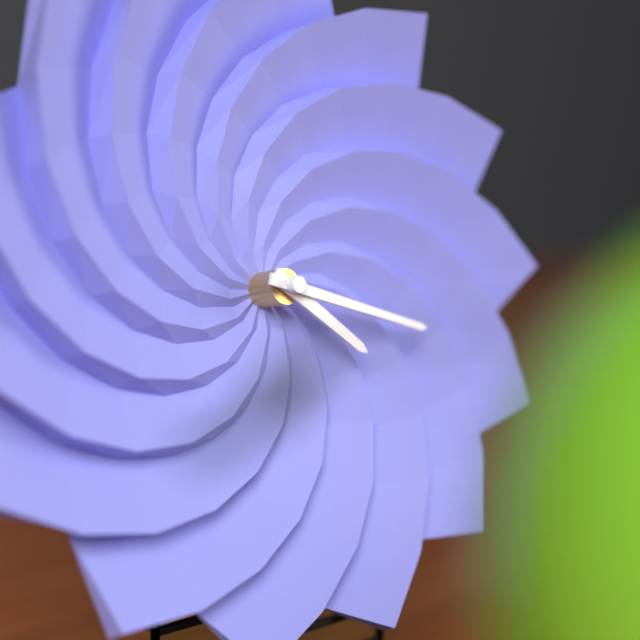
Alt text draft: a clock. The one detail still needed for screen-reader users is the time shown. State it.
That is 4:18
